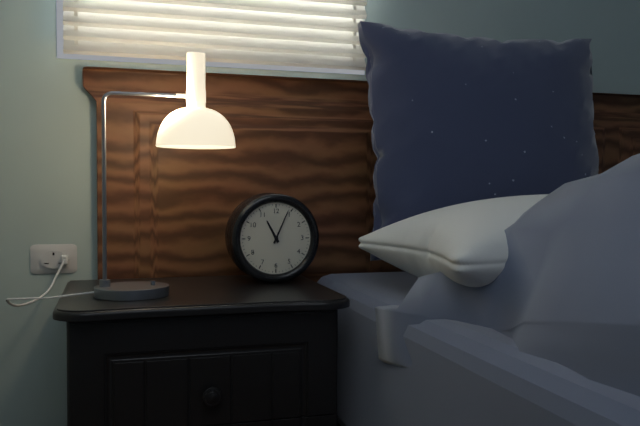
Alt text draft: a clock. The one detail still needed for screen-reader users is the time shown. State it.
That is 11:04
